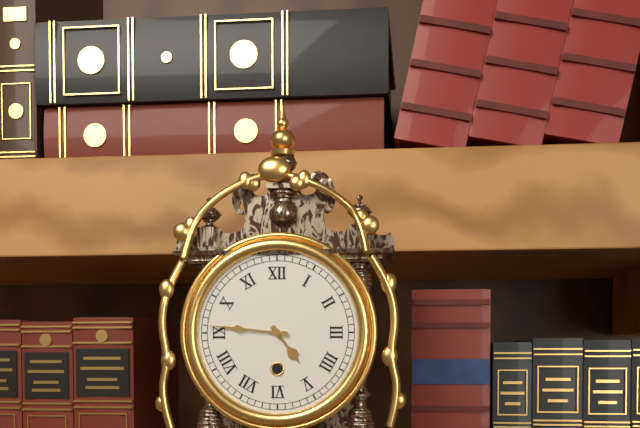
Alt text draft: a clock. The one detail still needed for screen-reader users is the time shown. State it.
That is 4:46
